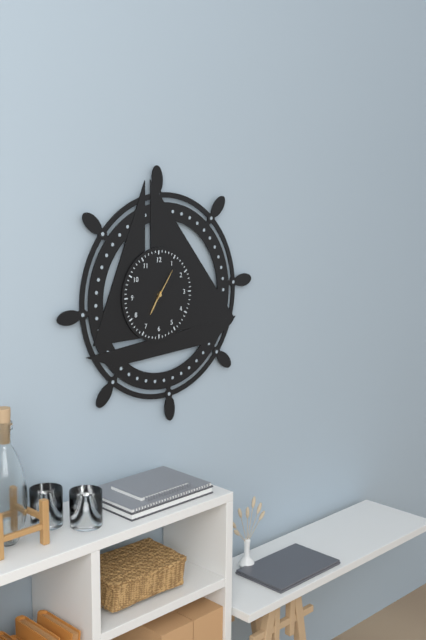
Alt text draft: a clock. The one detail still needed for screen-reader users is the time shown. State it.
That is 7:06
